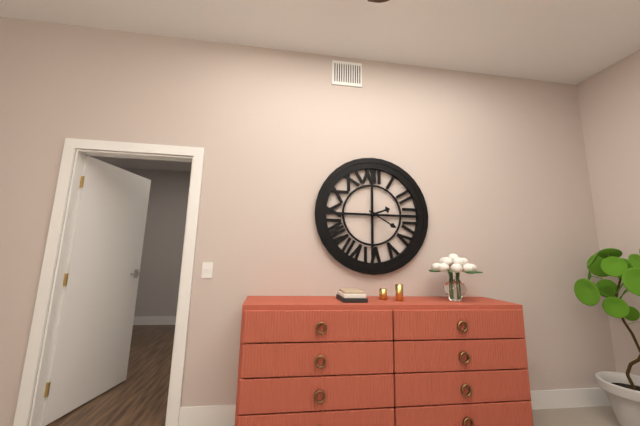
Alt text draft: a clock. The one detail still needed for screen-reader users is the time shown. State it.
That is 2:20
